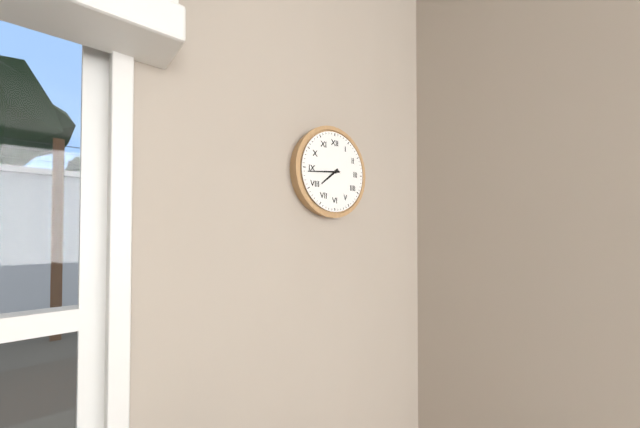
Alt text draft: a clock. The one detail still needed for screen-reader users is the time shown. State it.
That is 7:44
